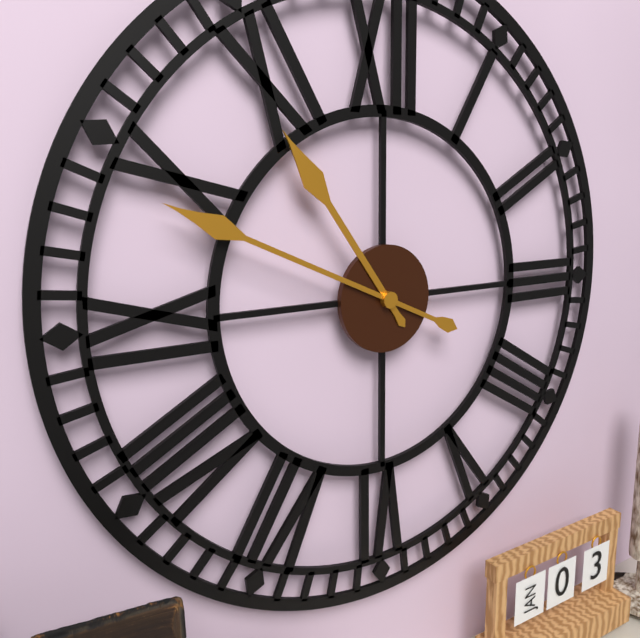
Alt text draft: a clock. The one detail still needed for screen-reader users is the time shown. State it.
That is 10:49
